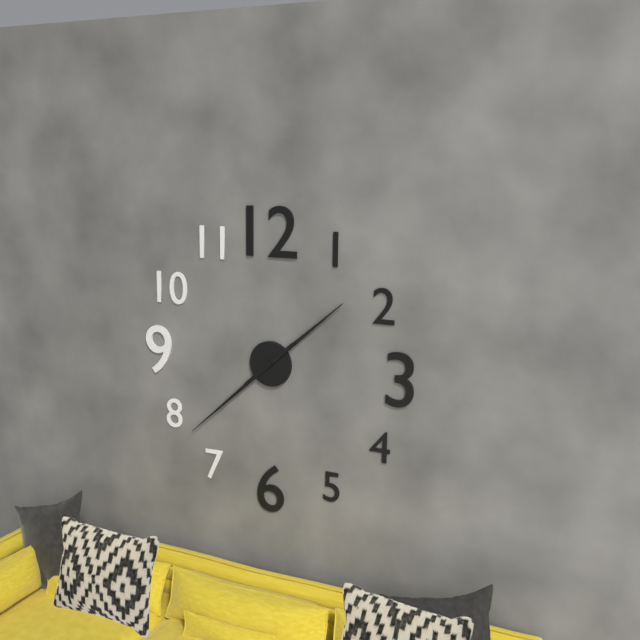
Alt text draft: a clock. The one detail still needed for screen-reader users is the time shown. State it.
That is 1:38
